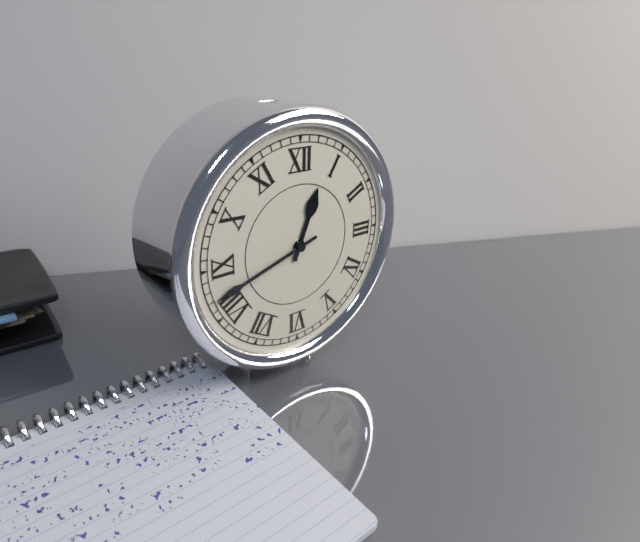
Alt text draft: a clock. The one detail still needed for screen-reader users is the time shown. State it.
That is 12:42
